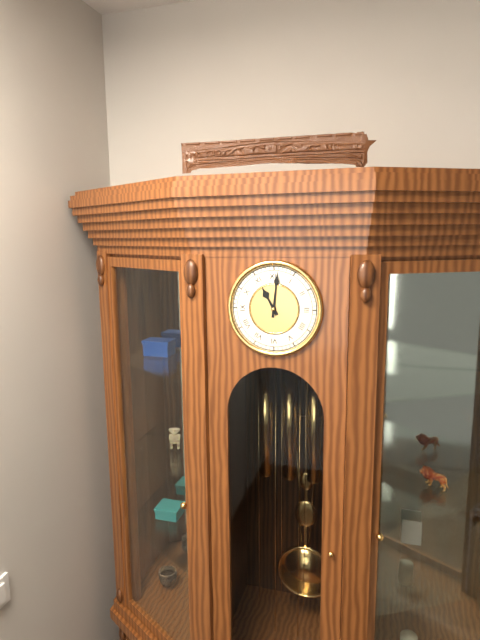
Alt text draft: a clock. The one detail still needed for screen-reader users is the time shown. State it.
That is 11:01
